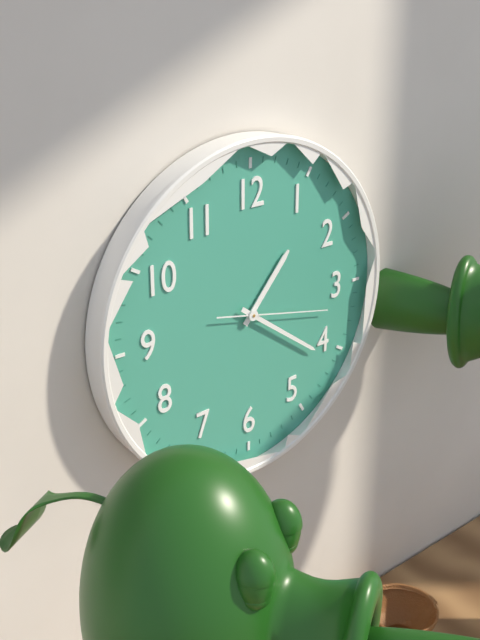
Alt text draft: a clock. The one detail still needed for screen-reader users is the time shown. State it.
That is 1:21:17
